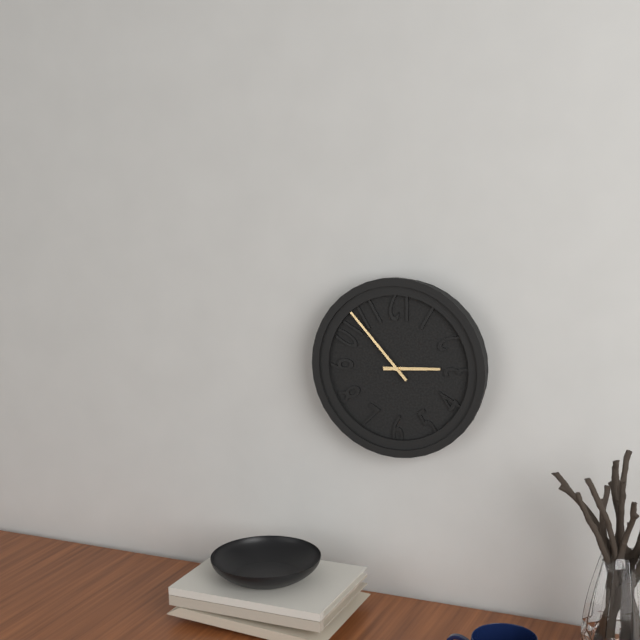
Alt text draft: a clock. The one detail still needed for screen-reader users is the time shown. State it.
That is 2:53
